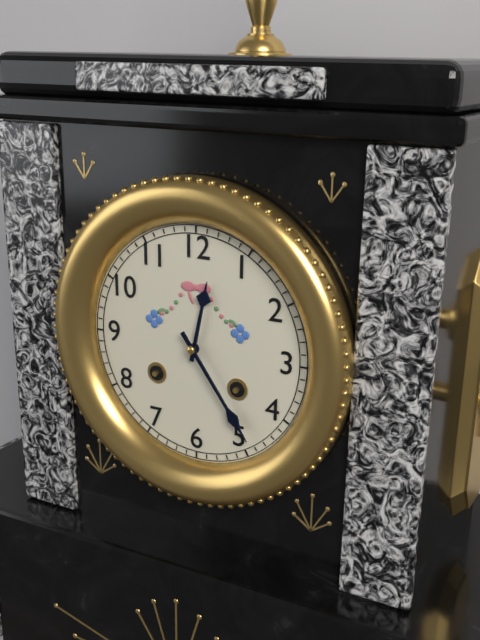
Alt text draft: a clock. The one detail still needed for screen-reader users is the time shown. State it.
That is 12:24
